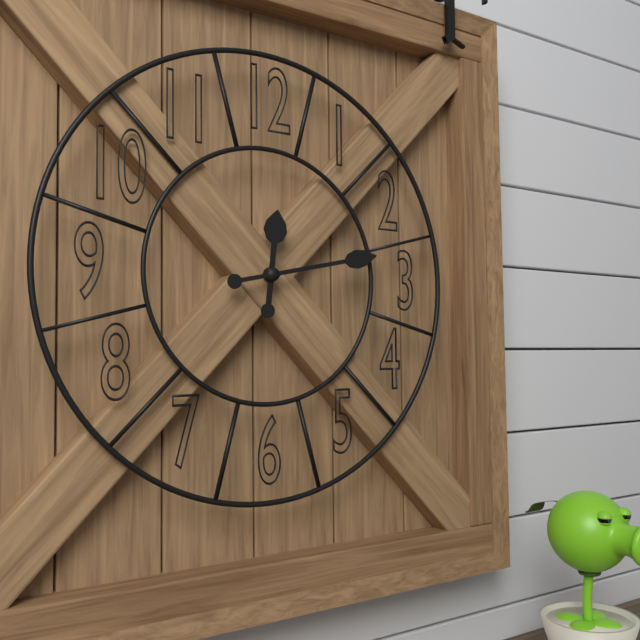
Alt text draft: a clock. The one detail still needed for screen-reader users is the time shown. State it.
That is 12:13
